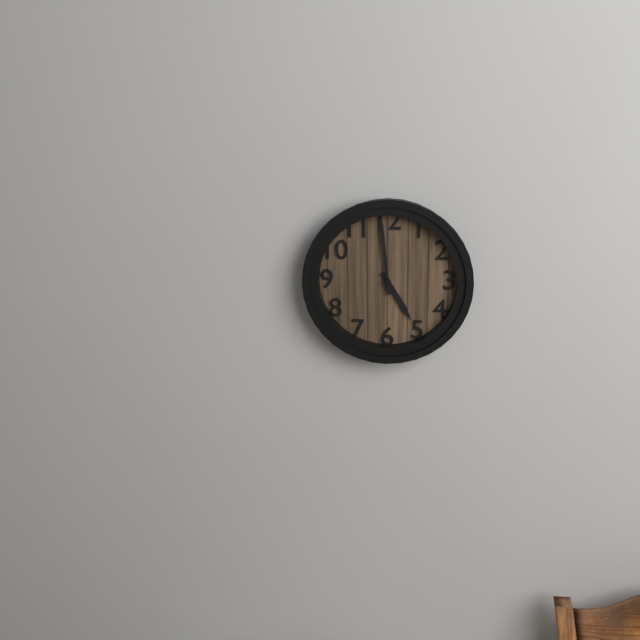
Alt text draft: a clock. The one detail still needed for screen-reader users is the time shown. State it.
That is 4:59
